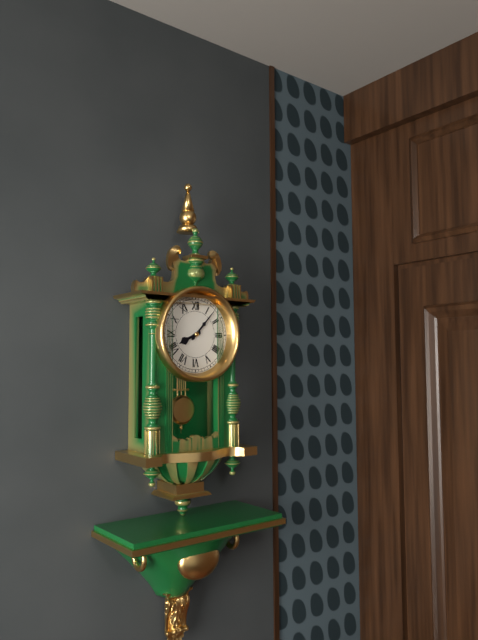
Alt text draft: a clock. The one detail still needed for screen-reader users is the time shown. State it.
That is 8:07
